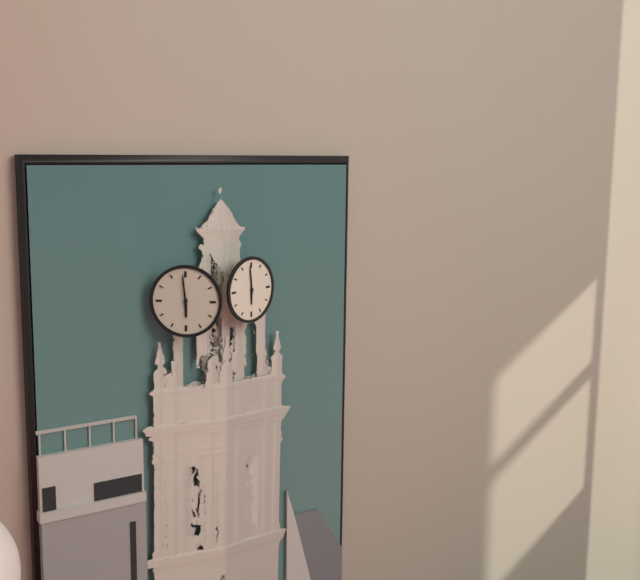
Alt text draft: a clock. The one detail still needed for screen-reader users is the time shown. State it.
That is 5:59
